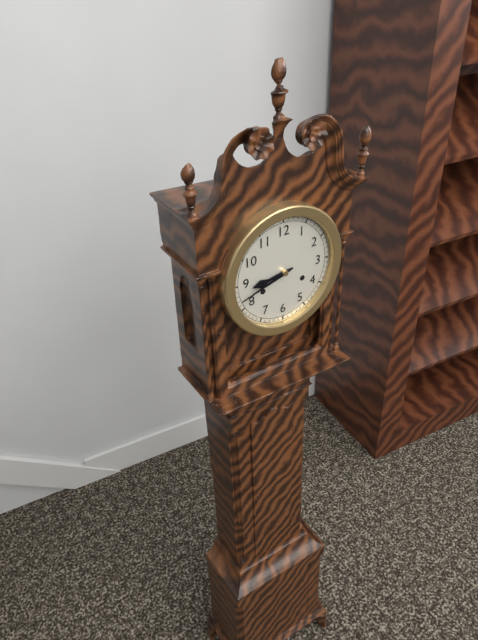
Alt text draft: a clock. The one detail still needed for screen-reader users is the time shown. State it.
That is 8:42
